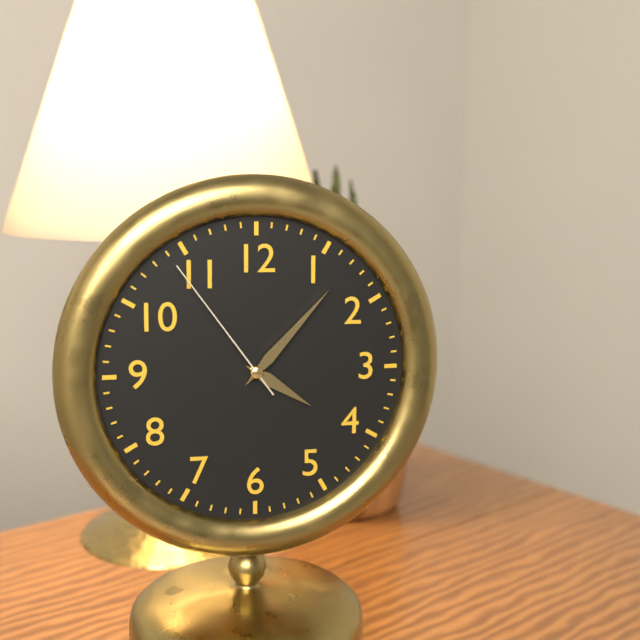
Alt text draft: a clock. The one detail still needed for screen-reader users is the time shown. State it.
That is 4:07:54
